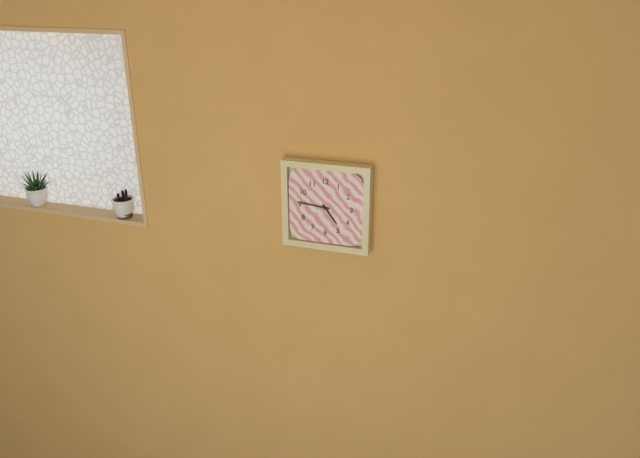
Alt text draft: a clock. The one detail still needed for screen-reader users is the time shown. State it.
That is 4:46
